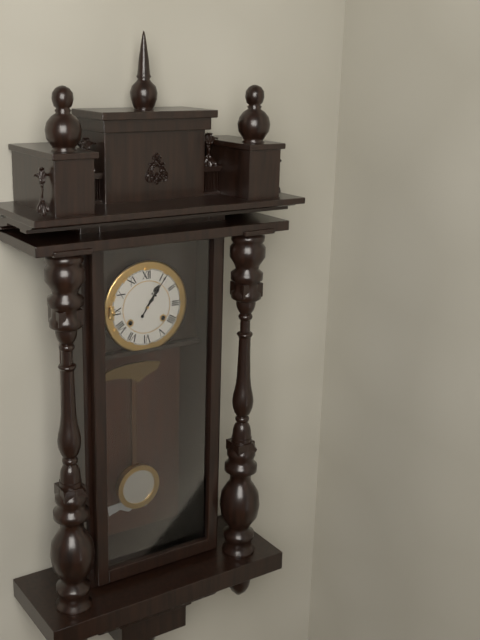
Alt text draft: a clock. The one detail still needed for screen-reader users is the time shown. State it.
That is 1:06
